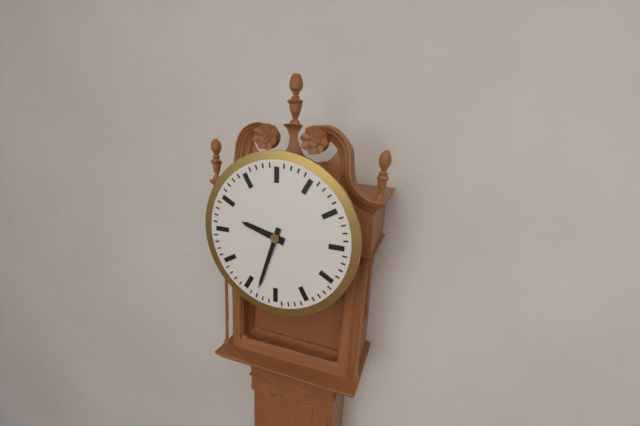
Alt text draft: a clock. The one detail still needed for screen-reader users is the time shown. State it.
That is 9:33
